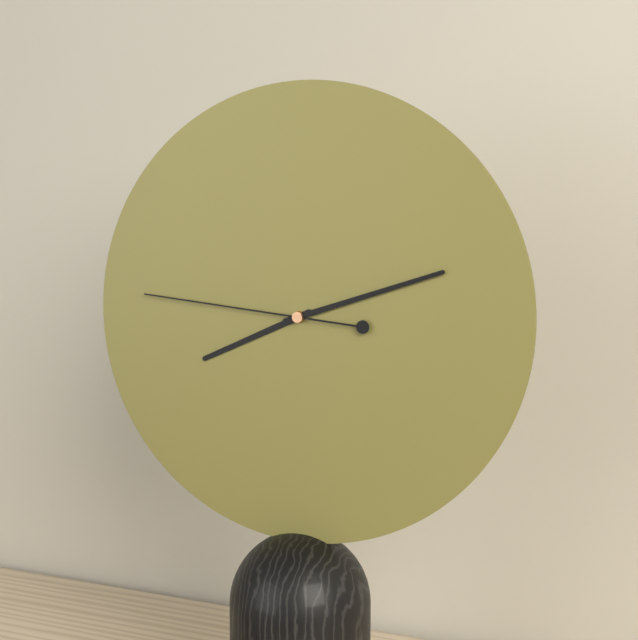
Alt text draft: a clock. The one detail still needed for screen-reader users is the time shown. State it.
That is 8:12:46
